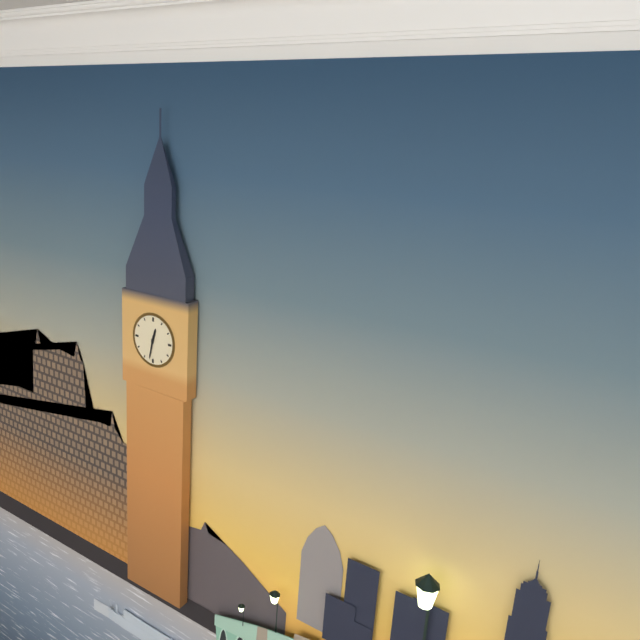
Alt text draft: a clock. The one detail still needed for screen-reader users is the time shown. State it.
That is 12:32
